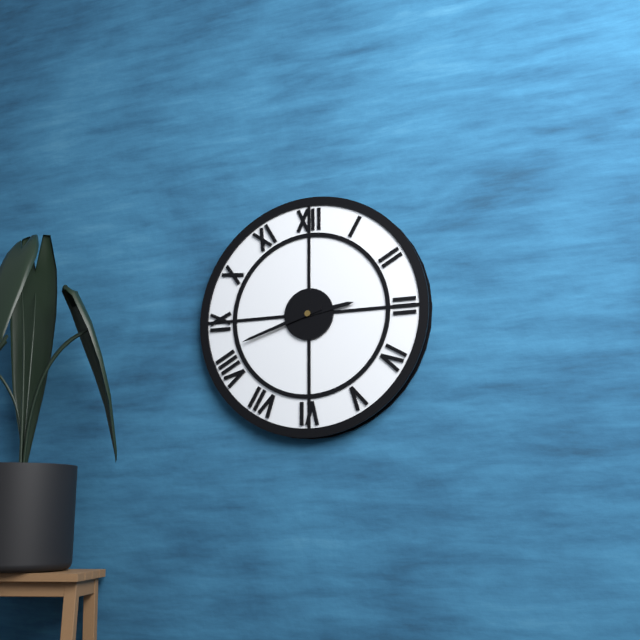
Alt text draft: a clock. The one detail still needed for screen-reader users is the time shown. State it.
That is 2:42
